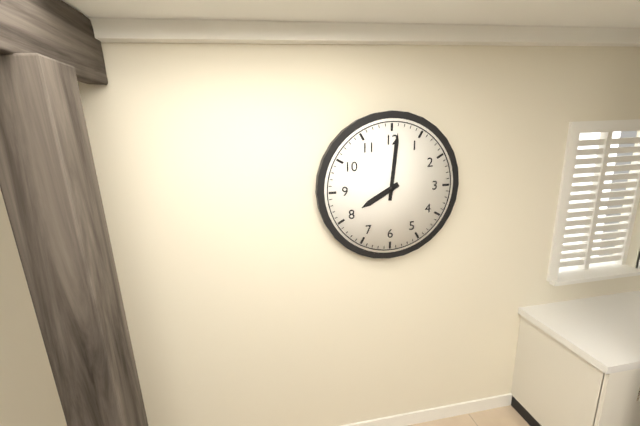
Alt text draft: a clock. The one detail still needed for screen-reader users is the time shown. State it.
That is 8:01
